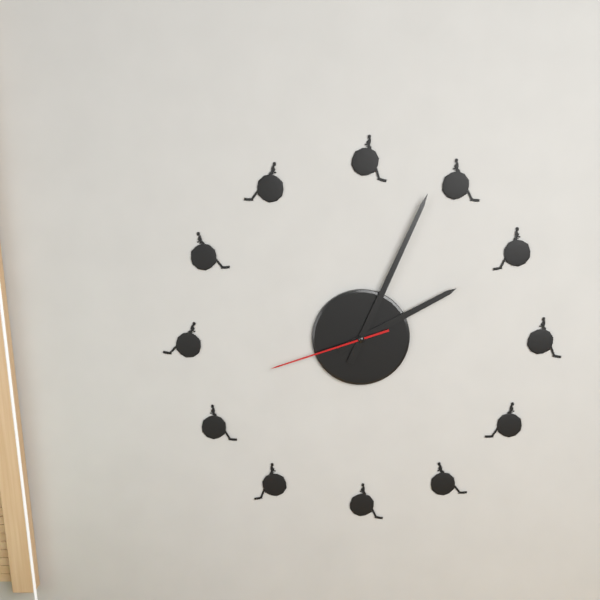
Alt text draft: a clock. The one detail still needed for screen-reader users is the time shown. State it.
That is 2:04:42
